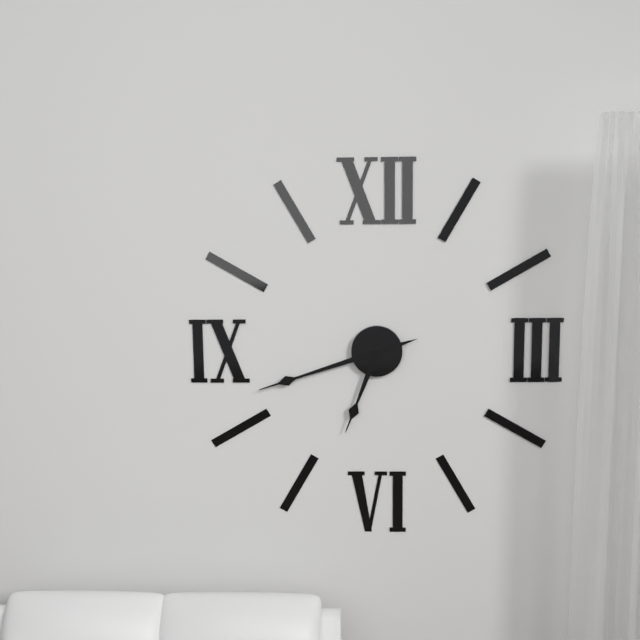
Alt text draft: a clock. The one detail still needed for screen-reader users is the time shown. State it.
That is 6:42
